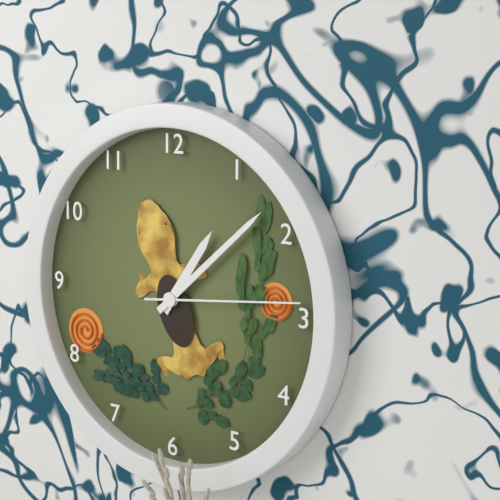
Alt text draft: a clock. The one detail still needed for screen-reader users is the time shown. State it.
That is 1:08:14
